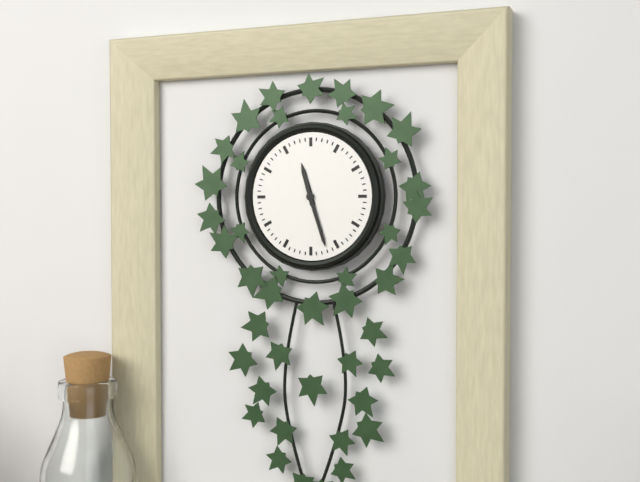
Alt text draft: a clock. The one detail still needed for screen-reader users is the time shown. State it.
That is 11:27
